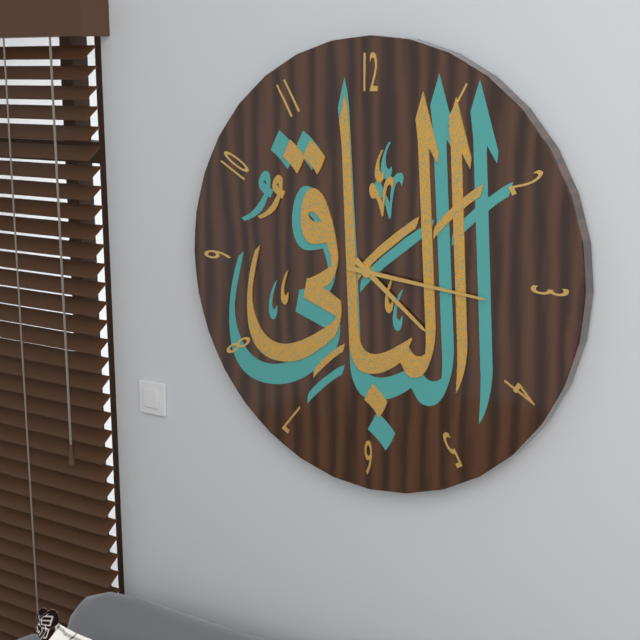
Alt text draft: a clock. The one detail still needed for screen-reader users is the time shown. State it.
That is 4:16
